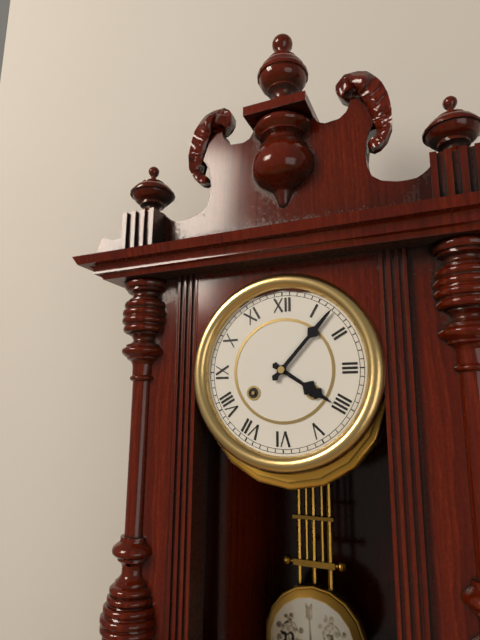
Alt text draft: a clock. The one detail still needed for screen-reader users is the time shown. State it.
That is 4:07
